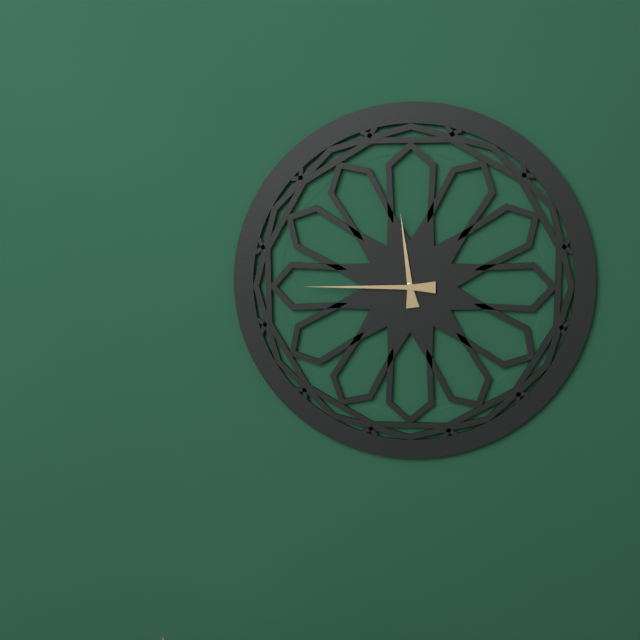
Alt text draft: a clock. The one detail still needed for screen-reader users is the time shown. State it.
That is 11:45
